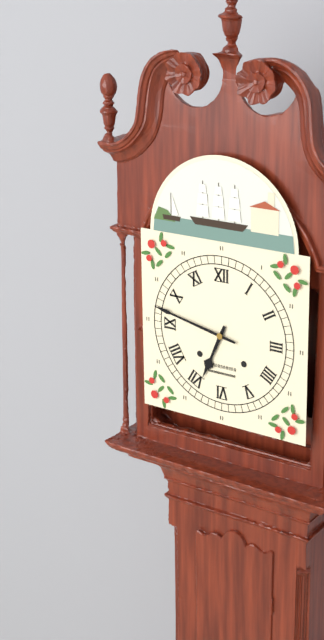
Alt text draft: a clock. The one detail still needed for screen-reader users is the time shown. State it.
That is 6:47
